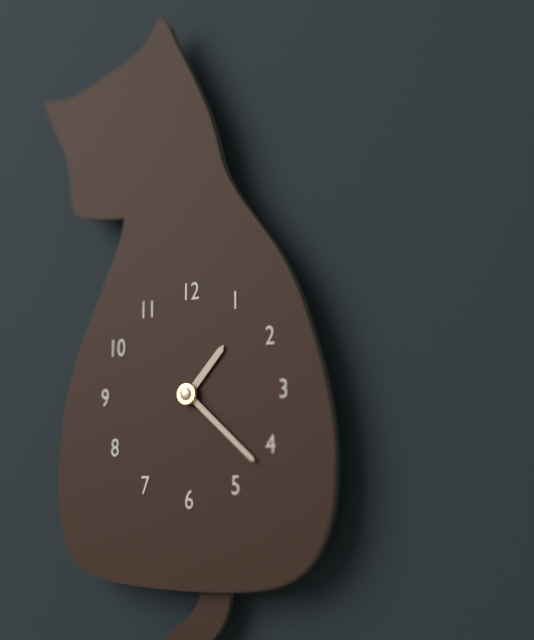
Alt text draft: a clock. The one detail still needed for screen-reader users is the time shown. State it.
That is 1:22
